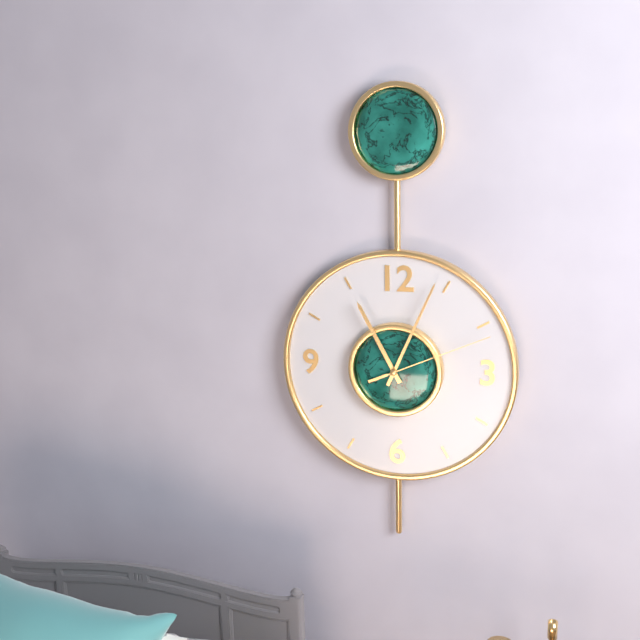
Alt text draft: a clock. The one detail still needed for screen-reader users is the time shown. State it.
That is 11:04:11
